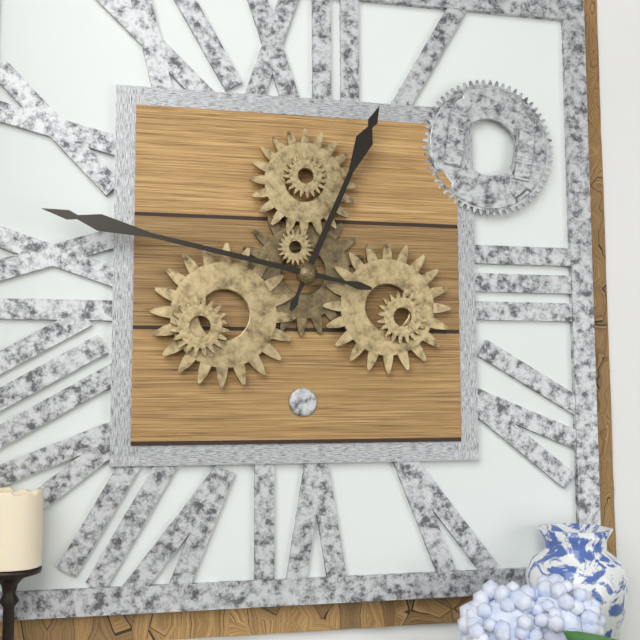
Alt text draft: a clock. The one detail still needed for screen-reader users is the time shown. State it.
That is 12:47
